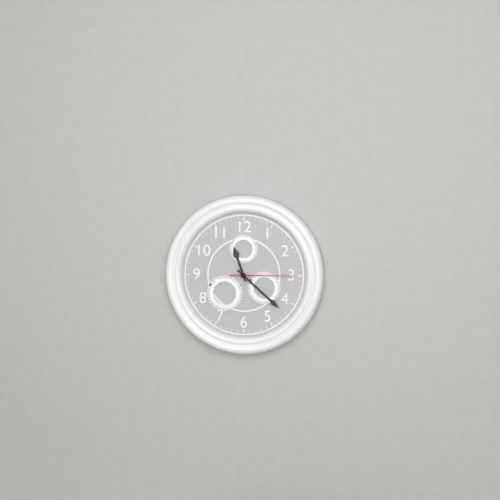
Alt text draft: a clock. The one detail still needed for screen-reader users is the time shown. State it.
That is 11:22:15
